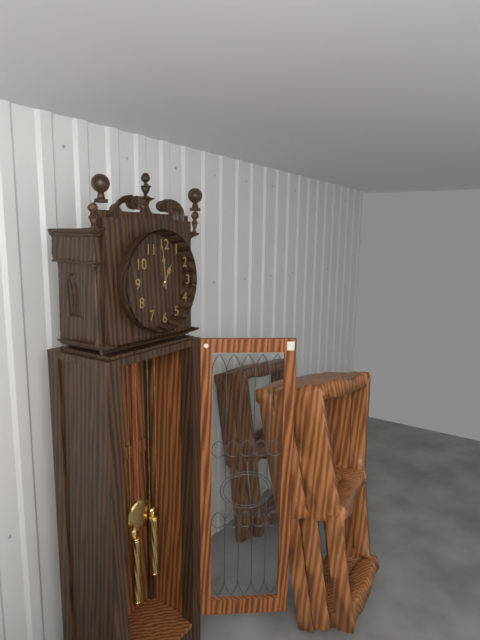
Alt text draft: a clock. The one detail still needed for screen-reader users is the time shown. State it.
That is 12:59
